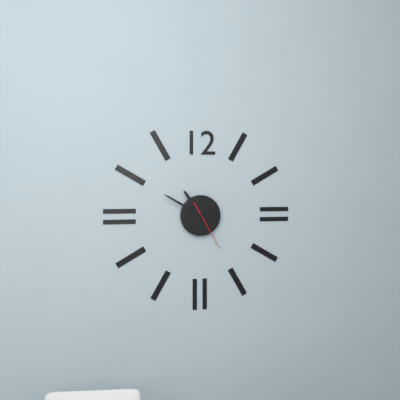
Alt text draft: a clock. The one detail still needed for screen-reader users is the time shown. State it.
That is 10:50
